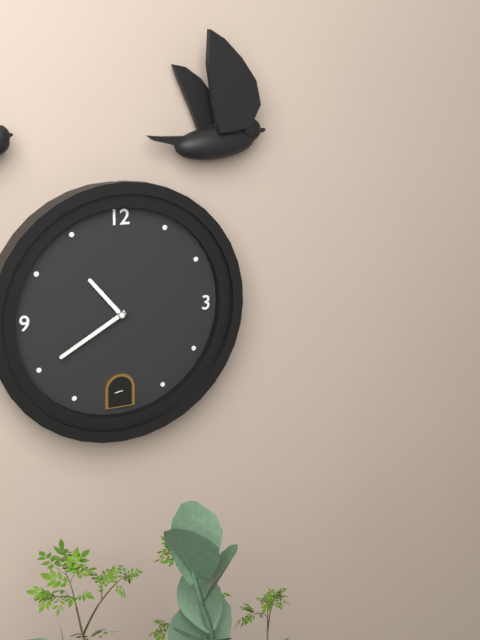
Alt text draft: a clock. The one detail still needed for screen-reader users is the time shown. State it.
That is 10:40
